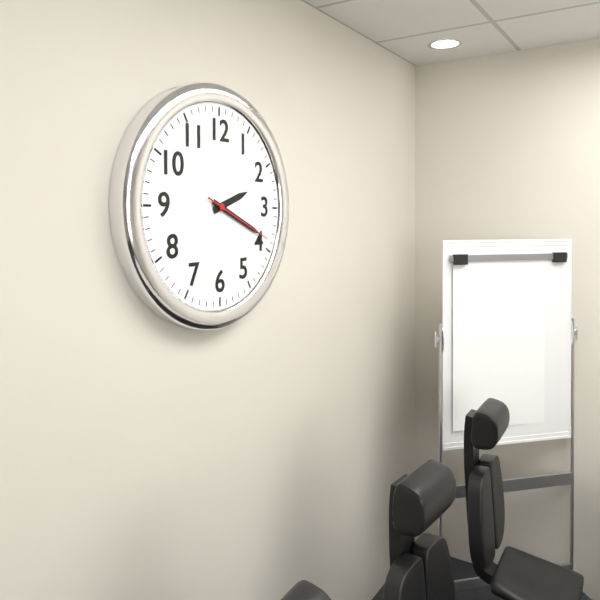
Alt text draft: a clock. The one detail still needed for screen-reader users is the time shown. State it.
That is 2:19:19
